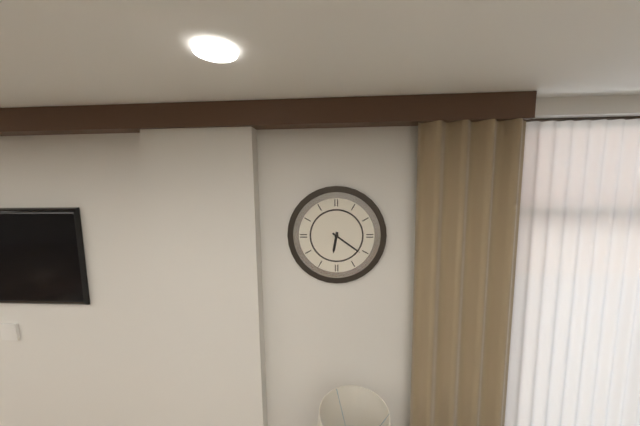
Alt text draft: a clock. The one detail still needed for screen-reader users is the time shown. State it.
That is 6:21
